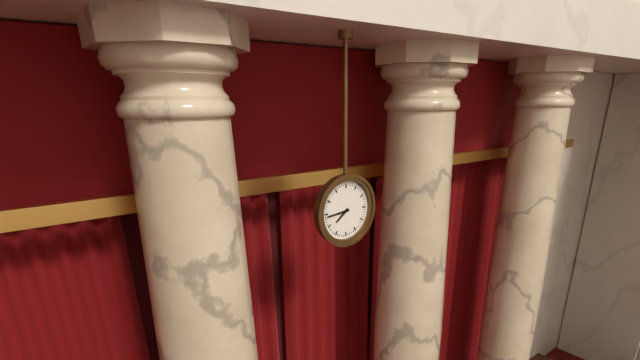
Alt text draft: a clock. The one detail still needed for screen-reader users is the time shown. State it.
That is 7:44
